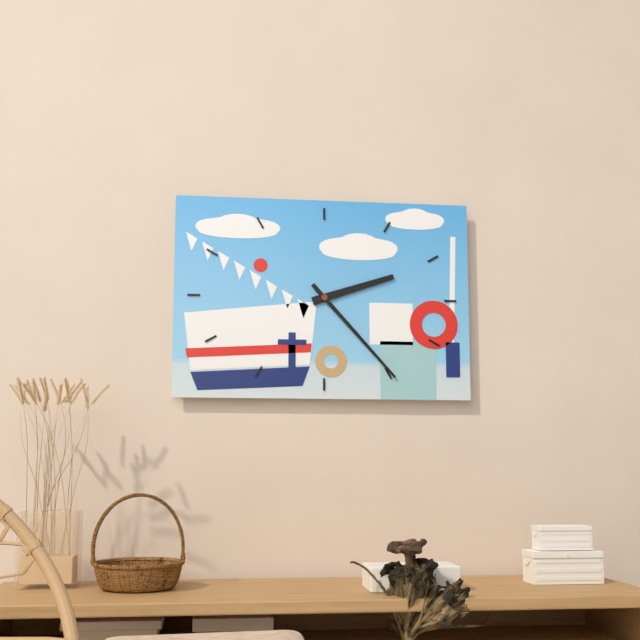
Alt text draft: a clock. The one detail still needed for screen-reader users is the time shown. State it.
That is 2:23
